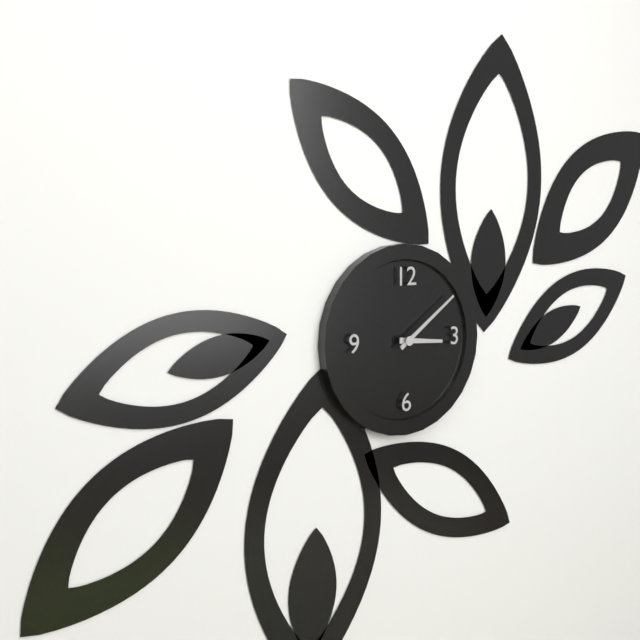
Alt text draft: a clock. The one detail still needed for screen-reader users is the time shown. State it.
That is 3:09
